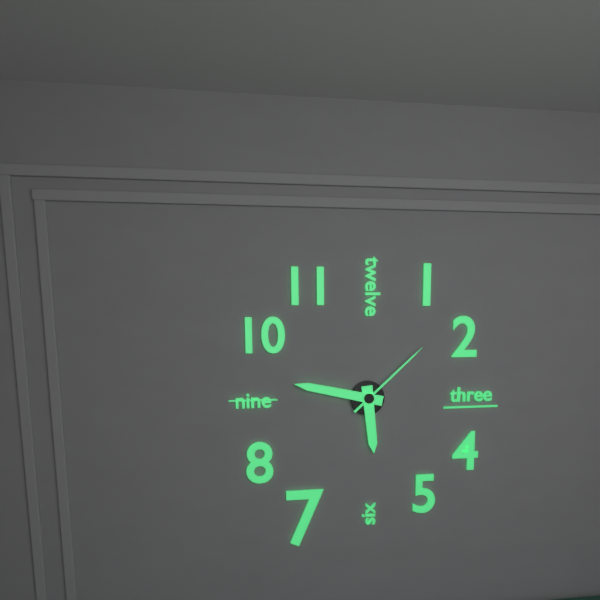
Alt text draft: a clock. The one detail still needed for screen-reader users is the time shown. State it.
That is 5:47:08
